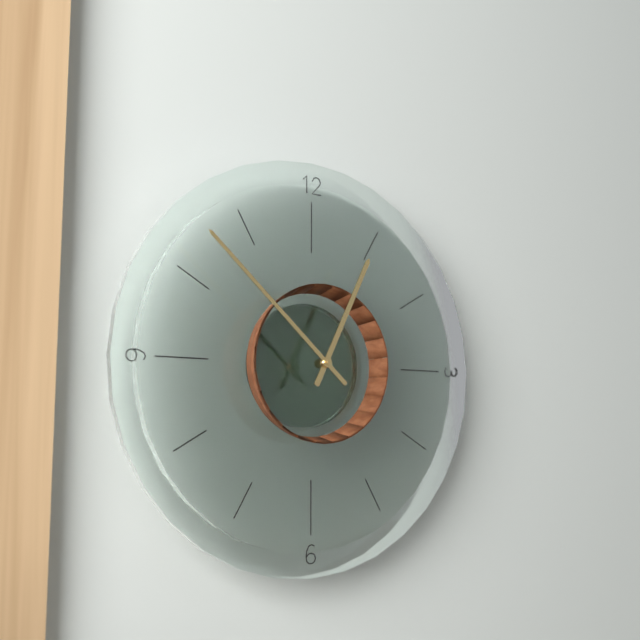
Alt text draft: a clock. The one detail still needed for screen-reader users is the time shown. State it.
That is 12:52
